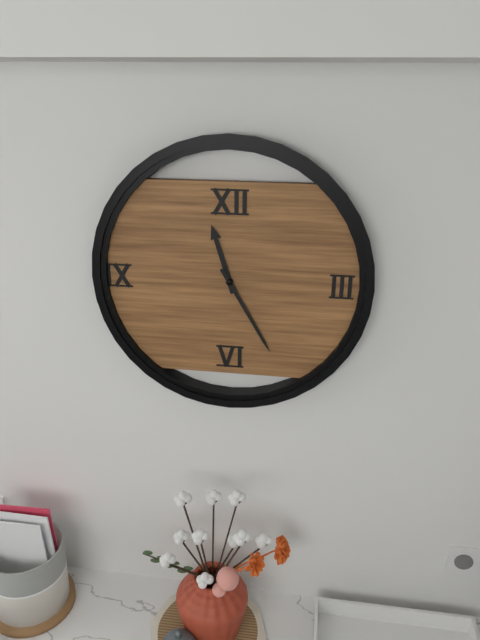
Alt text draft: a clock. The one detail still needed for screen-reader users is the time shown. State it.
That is 11:25
